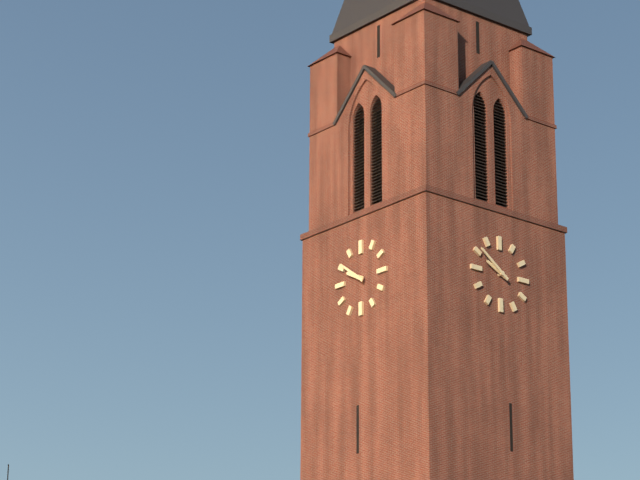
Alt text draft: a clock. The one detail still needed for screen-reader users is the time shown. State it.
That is 9:51
